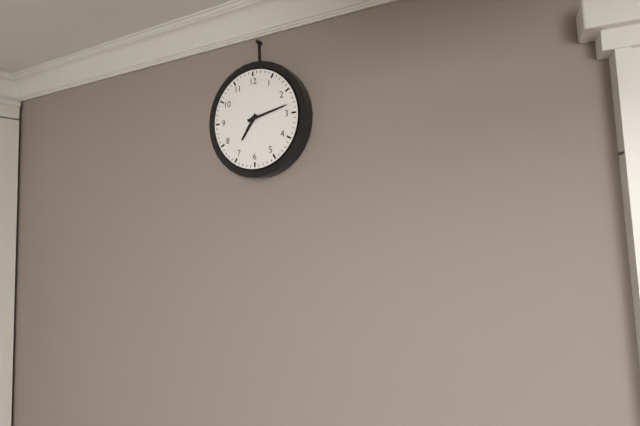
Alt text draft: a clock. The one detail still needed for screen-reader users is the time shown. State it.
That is 7:13
